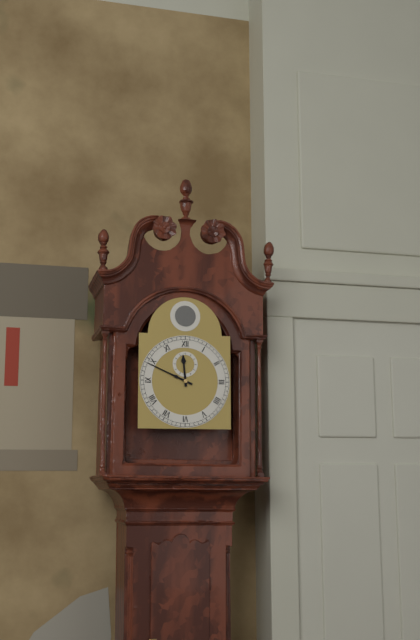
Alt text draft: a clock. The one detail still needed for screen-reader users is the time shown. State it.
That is 11:49
